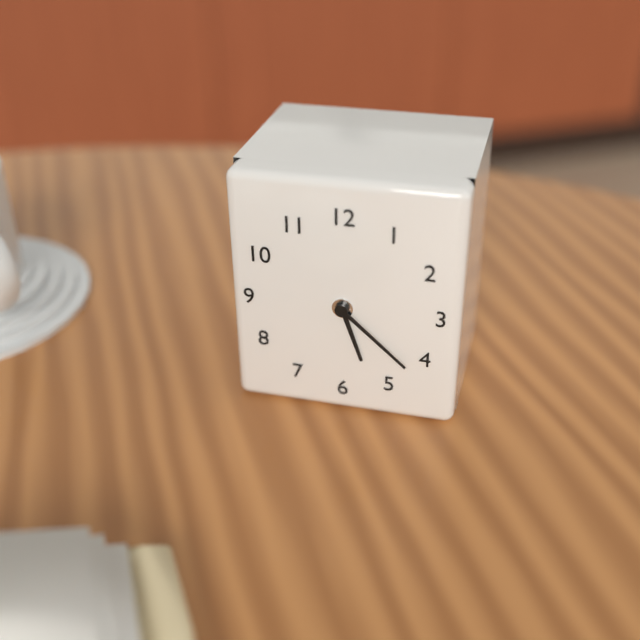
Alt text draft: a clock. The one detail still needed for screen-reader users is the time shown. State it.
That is 5:22
